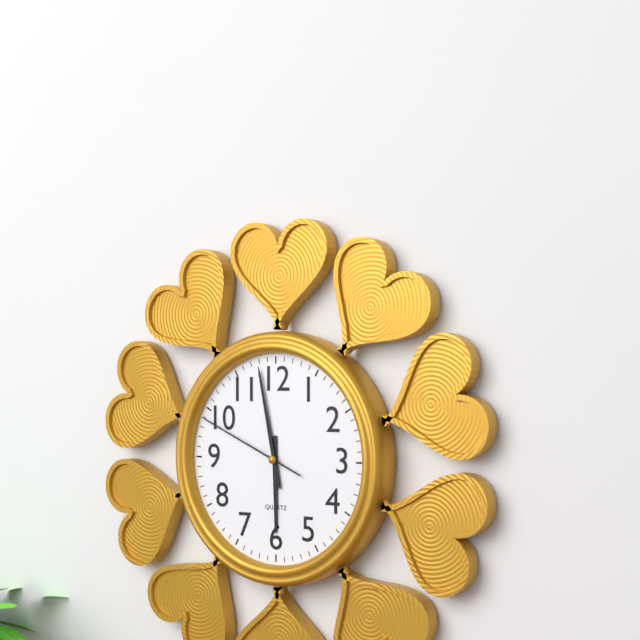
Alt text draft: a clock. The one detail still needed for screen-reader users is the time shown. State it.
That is 5:58:49
